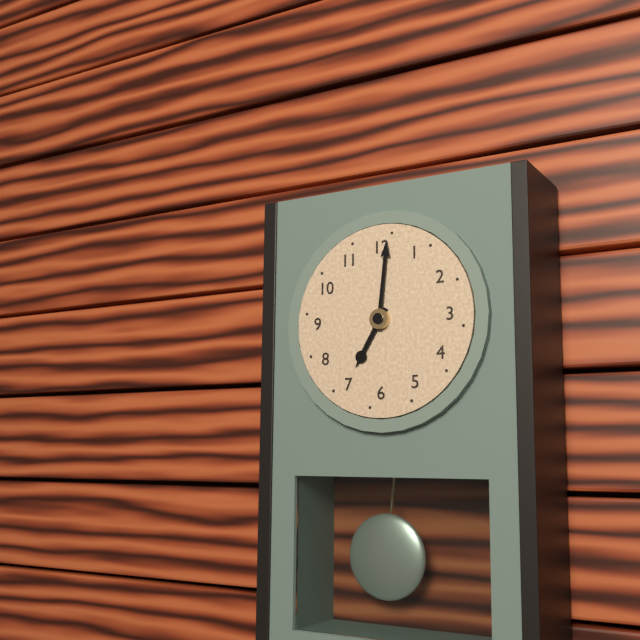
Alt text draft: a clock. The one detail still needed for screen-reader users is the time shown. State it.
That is 7:01
